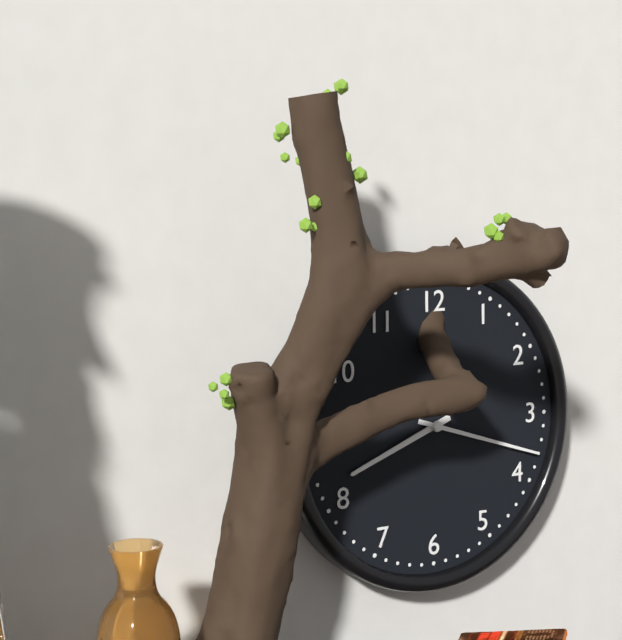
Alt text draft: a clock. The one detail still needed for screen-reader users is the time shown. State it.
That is 8:18
